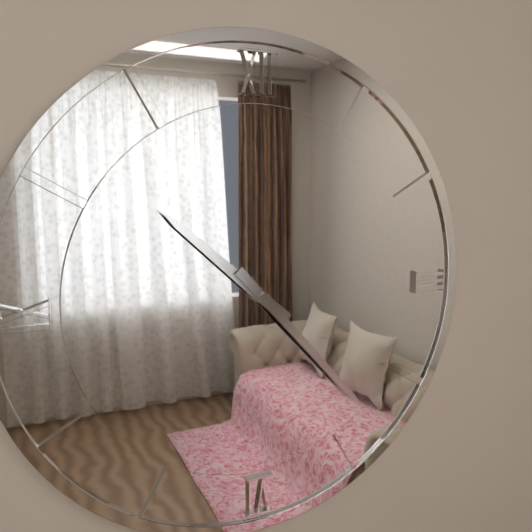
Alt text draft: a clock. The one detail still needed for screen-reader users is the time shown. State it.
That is 10:23
